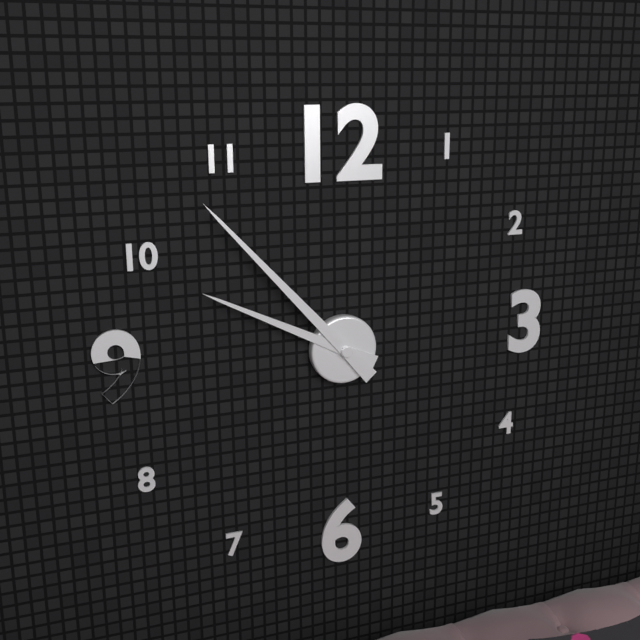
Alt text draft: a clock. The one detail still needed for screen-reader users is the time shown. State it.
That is 9:53
